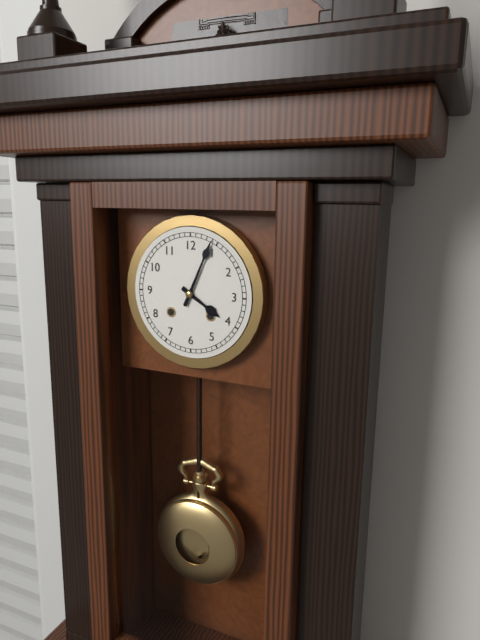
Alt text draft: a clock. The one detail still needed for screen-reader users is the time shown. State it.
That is 4:04
